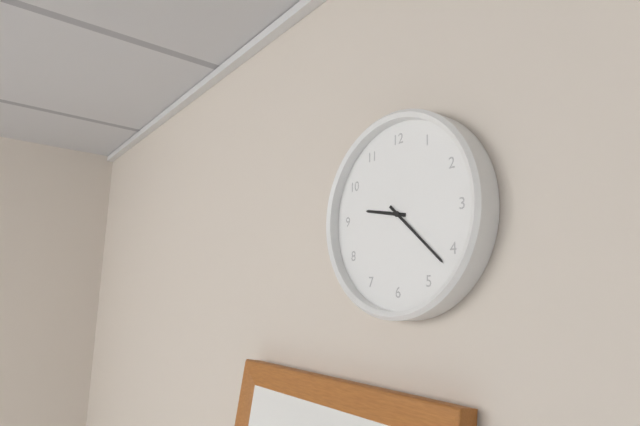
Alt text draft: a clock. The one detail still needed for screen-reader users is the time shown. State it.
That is 9:22
